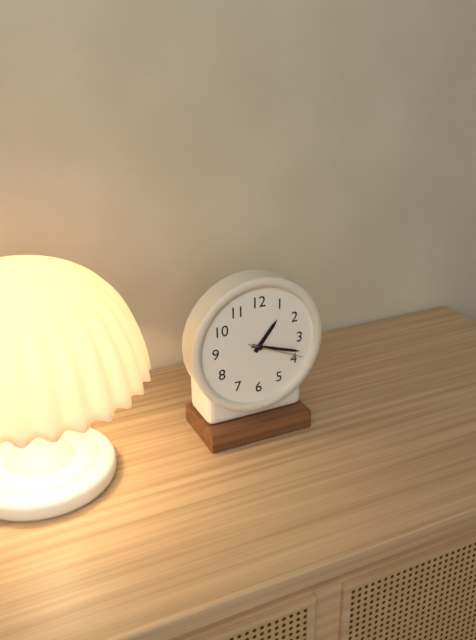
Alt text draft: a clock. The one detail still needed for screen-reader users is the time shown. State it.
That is 1:18:19
